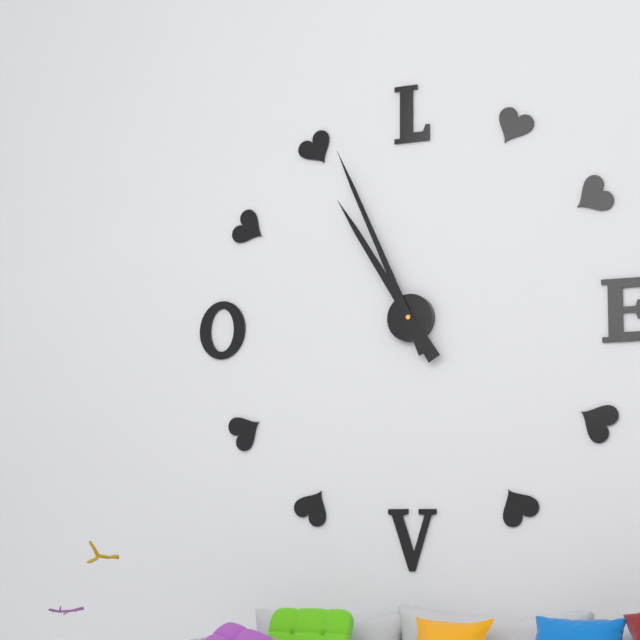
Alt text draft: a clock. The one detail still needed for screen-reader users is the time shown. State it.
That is 10:56
